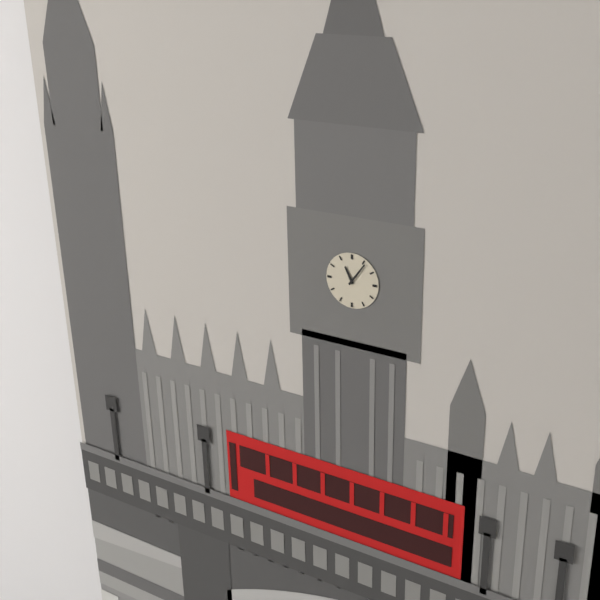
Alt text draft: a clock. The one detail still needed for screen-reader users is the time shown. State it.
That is 11:06
